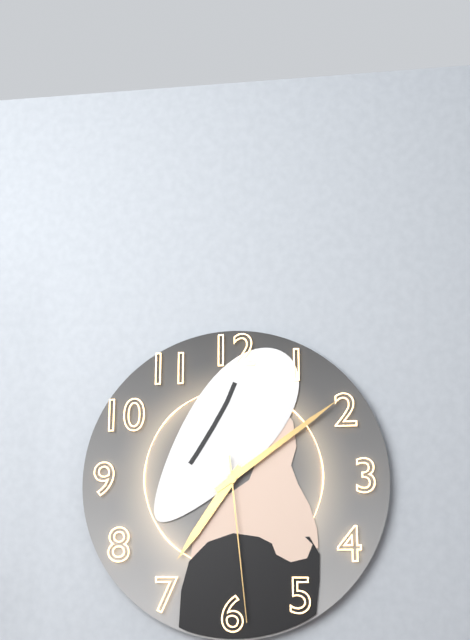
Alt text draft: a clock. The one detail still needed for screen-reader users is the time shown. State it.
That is 7:09:29
